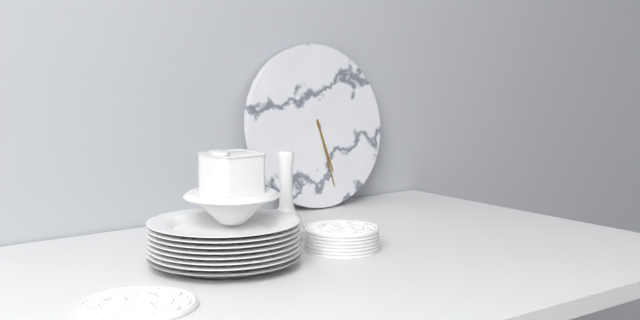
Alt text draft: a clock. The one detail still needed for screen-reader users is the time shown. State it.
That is 5:28
